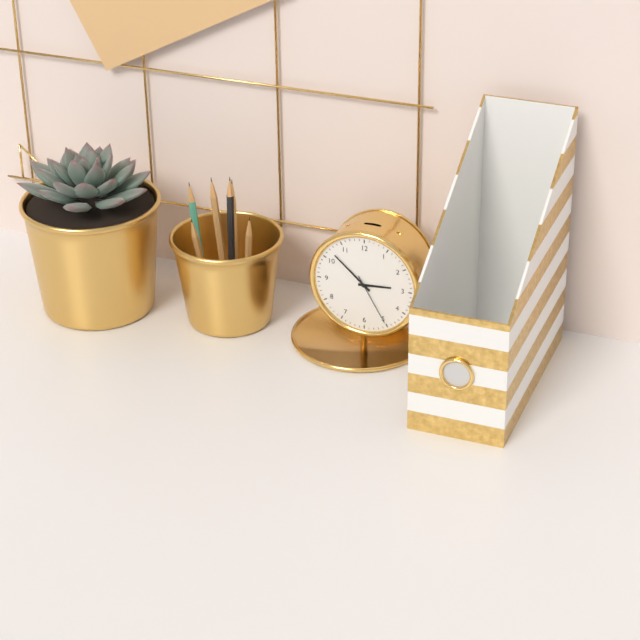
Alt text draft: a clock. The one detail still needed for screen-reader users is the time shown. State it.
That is 2:52:25
